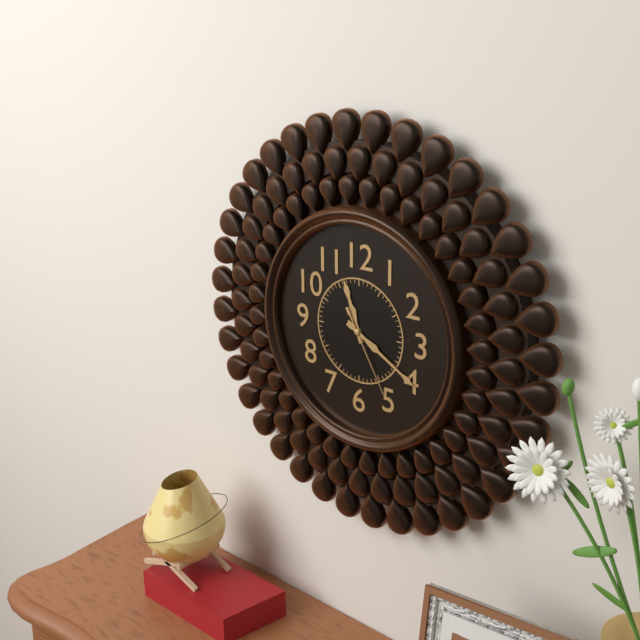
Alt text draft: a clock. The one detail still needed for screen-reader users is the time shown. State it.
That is 11:20:25
